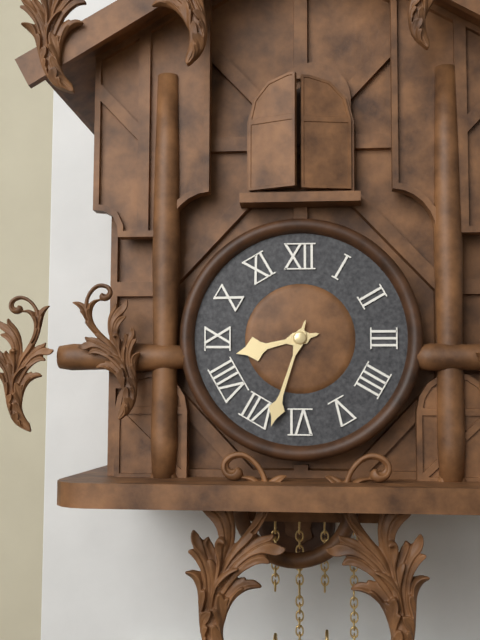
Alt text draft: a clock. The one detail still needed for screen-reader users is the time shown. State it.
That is 8:33
